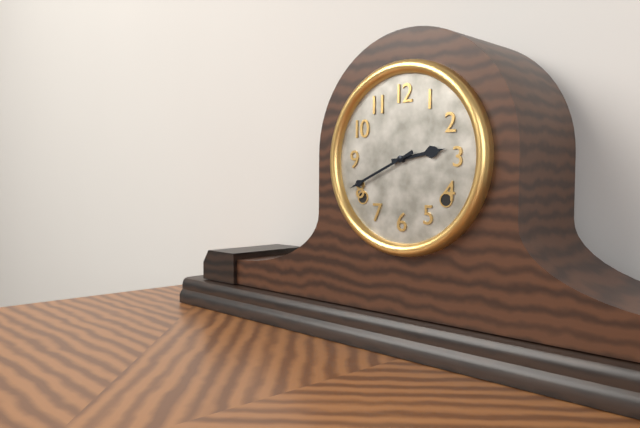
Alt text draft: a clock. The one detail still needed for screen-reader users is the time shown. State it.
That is 2:41
